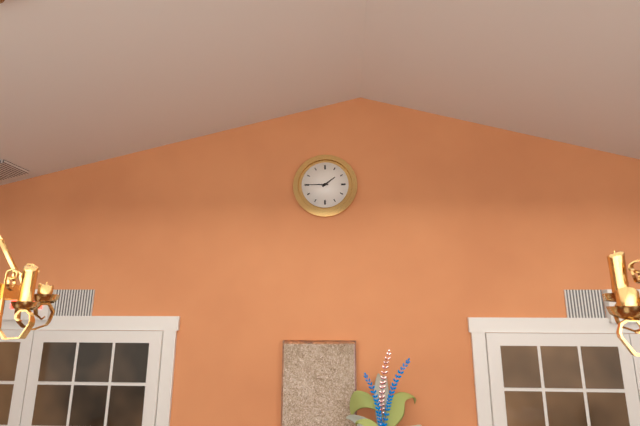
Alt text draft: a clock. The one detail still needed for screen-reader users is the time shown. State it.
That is 1:45
